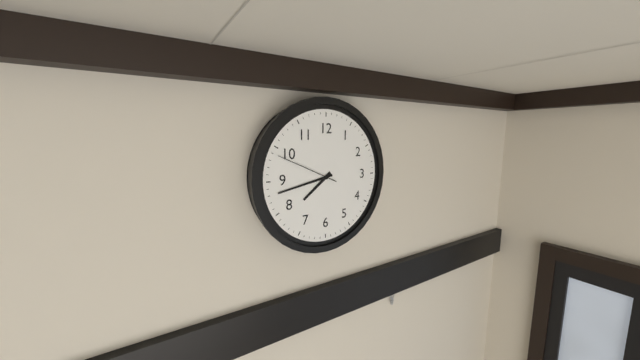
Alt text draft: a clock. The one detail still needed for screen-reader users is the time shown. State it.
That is 7:43:49
